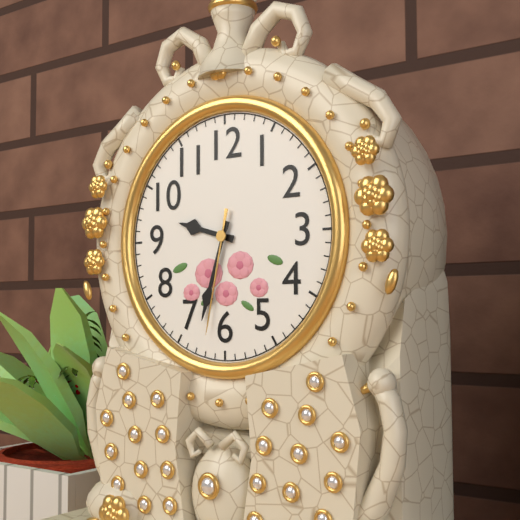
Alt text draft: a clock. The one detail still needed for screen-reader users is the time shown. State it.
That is 9:33:32
